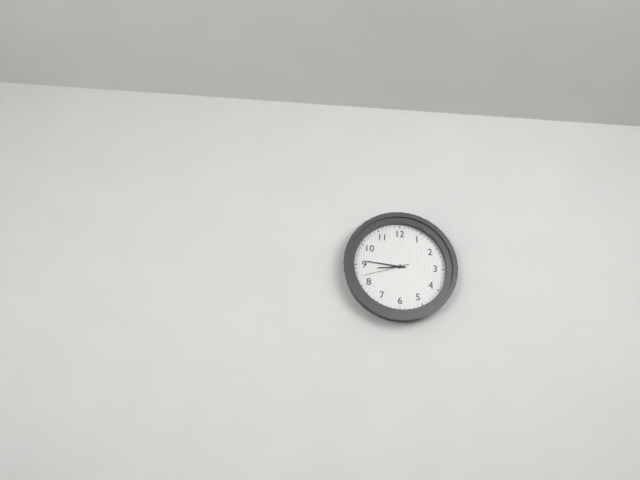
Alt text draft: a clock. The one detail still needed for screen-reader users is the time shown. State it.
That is 8:46
